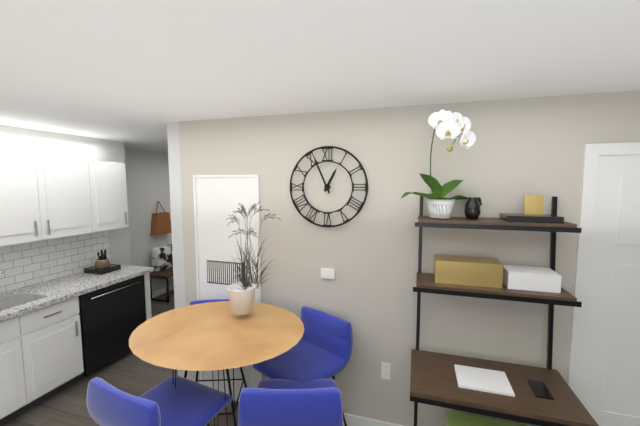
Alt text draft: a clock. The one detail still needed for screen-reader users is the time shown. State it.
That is 12:56
